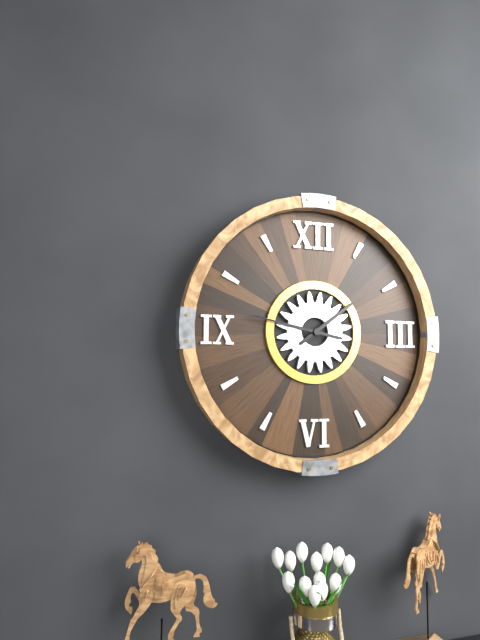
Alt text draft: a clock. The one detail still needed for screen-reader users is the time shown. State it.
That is 1:47
